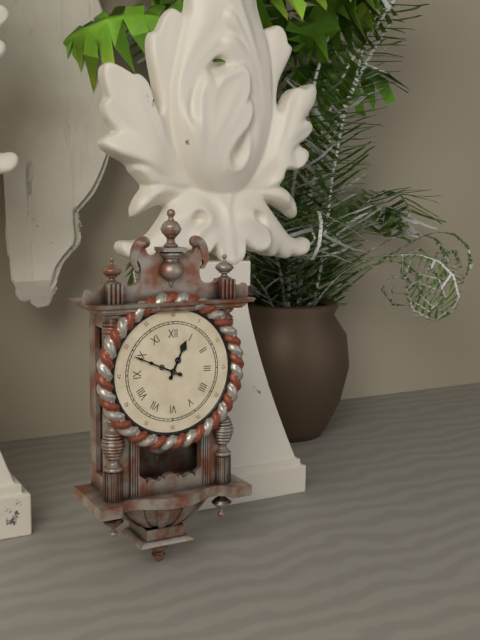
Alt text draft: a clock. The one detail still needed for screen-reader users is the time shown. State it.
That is 12:49
